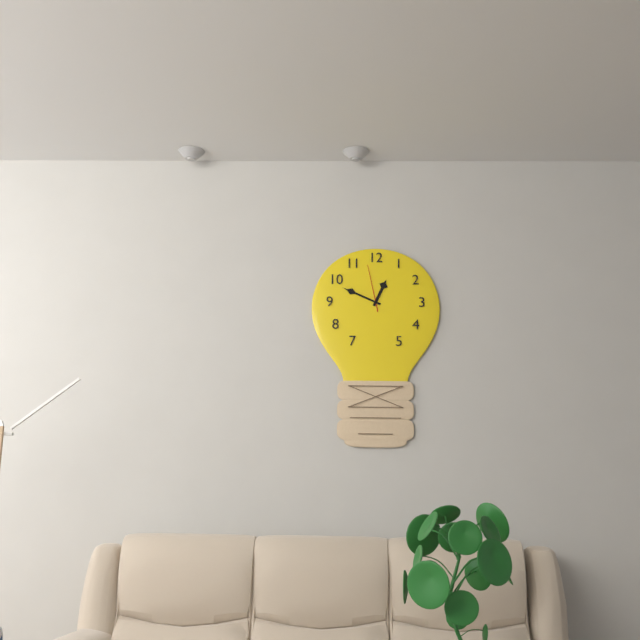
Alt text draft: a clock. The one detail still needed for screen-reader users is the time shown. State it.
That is 12:49
